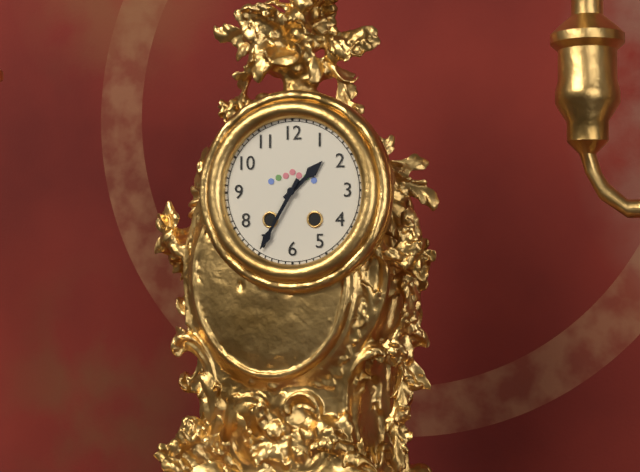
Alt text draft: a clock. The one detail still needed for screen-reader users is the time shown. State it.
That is 1:35
